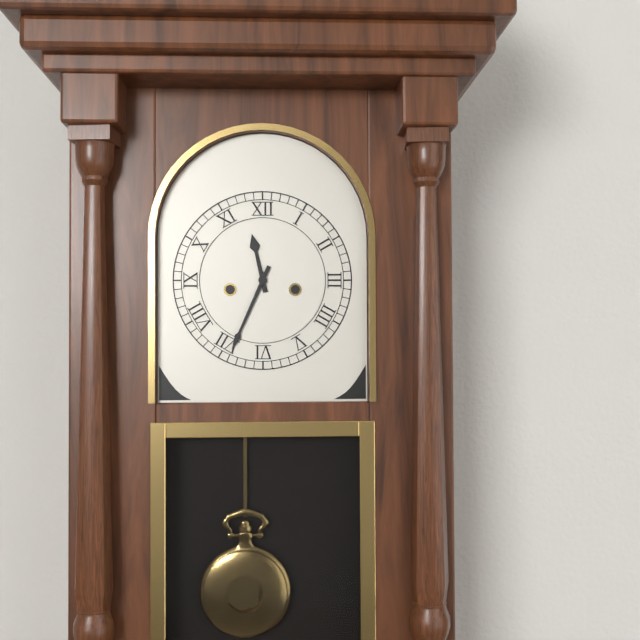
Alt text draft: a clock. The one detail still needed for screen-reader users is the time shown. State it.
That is 11:34
